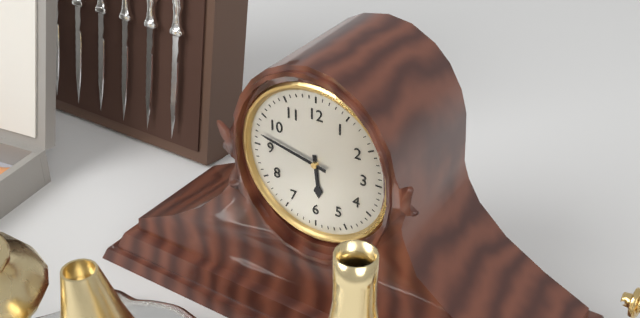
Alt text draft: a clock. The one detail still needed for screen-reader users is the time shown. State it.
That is 5:47
